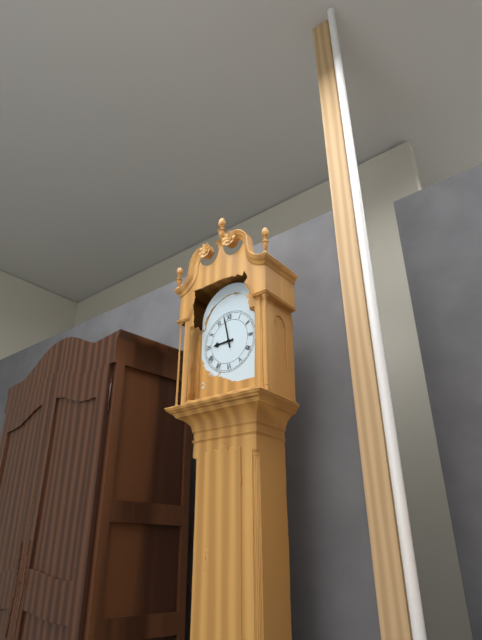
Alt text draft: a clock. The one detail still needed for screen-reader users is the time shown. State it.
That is 8:58
